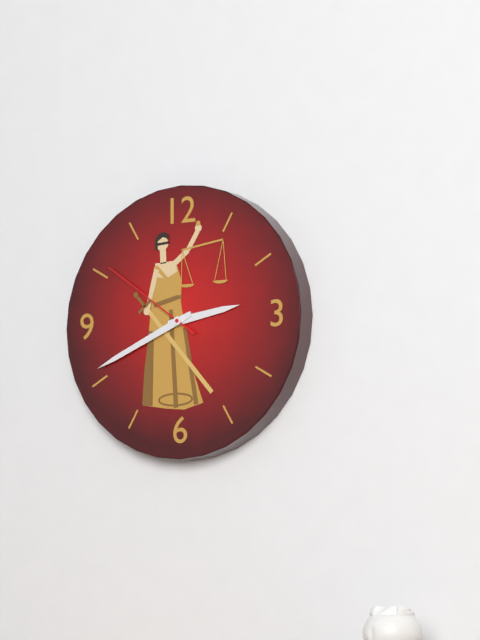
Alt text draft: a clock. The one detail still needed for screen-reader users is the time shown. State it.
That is 2:41:51
